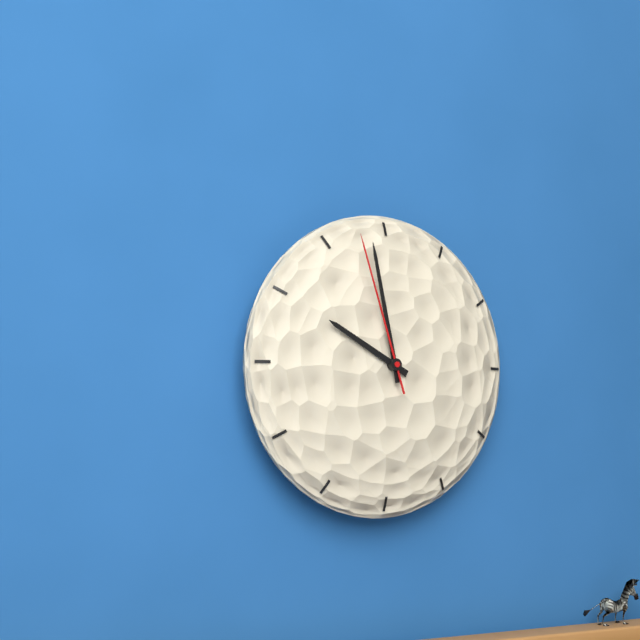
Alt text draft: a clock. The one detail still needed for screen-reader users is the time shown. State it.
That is 9:58:57
